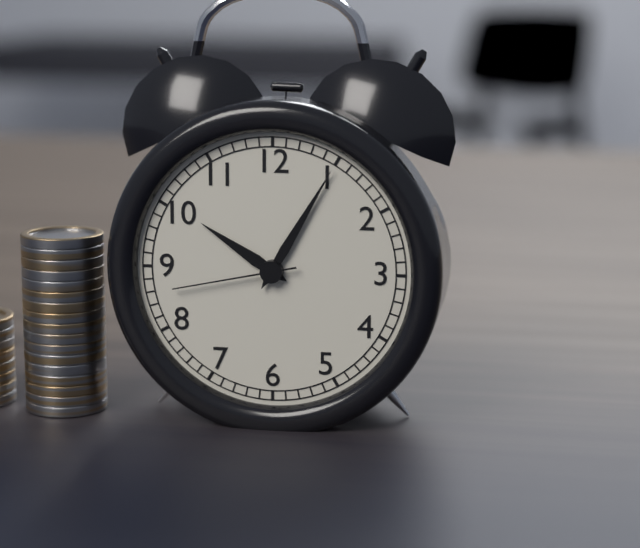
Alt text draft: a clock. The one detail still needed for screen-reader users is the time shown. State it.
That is 10:05:43
